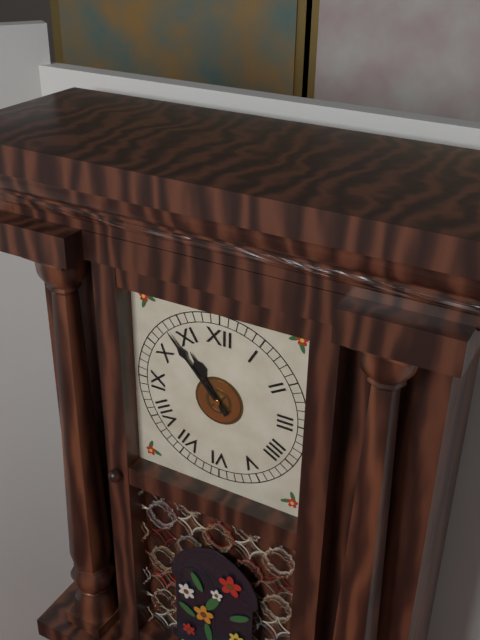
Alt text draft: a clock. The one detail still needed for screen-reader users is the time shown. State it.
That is 10:53
